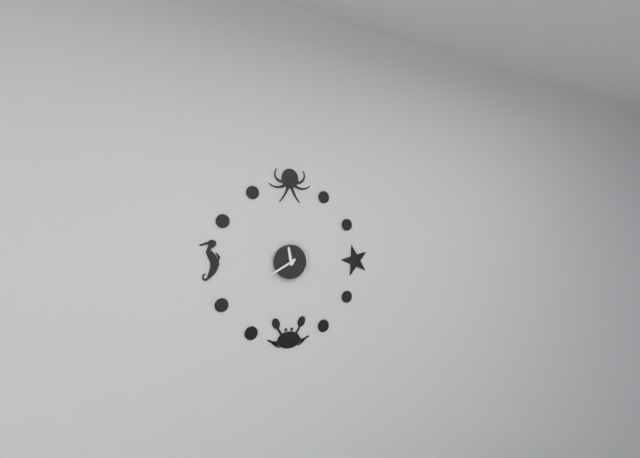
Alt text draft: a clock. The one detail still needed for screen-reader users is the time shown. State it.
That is 11:40
